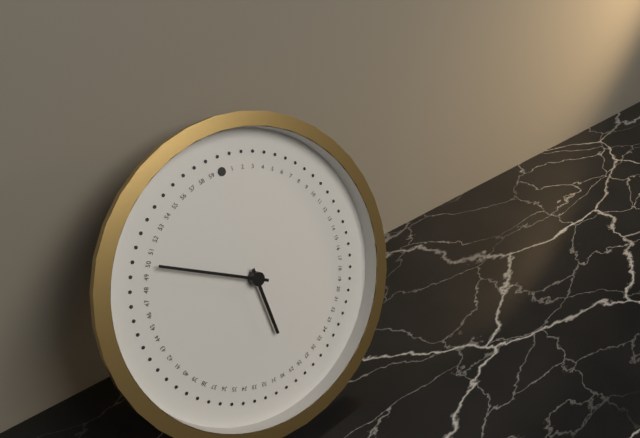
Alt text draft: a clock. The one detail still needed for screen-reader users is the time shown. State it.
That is 5:50
